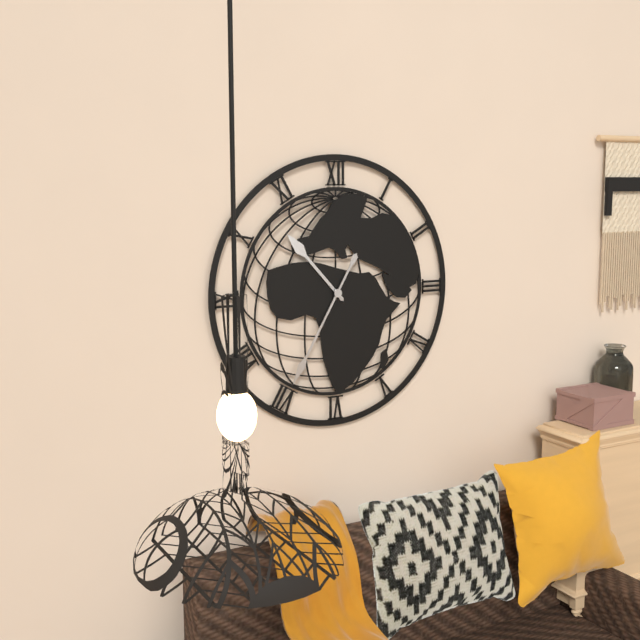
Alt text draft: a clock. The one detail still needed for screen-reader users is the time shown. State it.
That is 10:35
